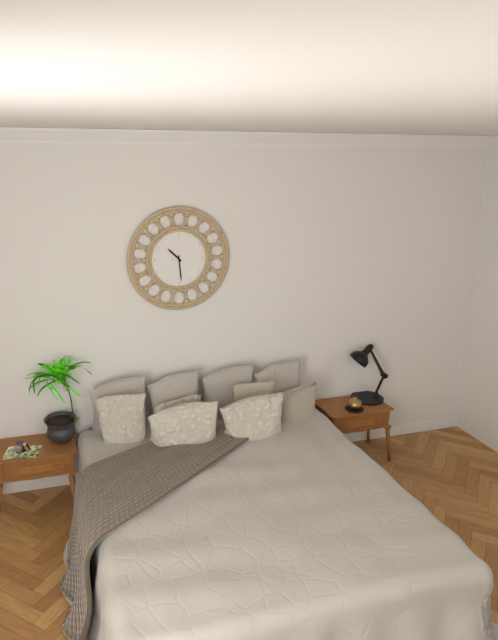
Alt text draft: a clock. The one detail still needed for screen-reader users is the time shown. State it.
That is 10:29
